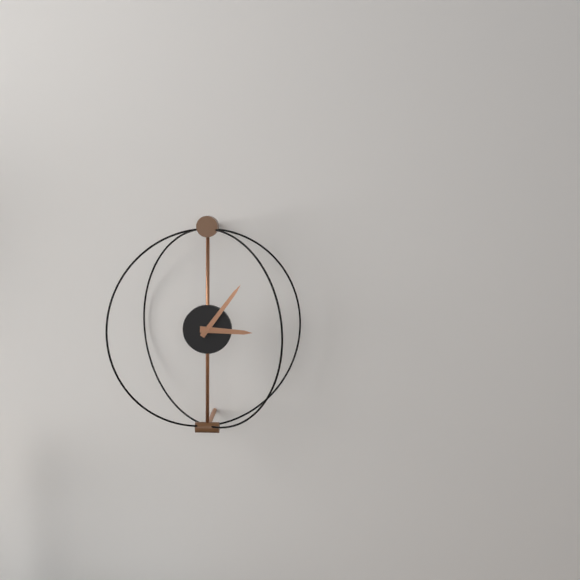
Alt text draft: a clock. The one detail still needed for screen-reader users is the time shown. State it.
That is 3:06
